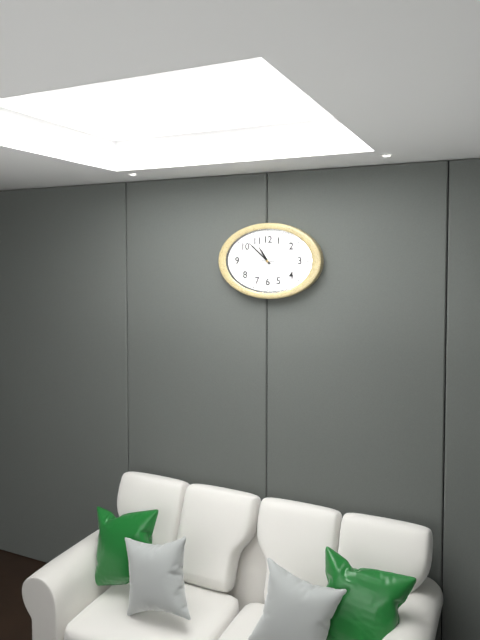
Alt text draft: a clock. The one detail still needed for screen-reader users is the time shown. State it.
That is 10:52
